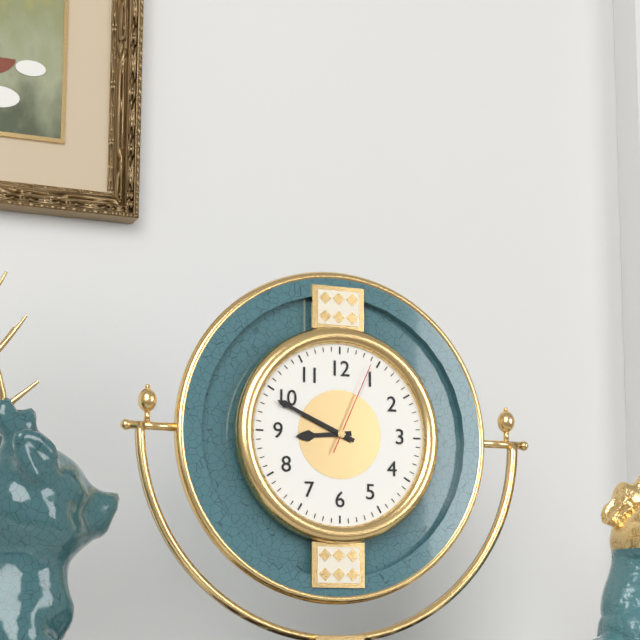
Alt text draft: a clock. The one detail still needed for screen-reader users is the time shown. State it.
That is 8:49:04
